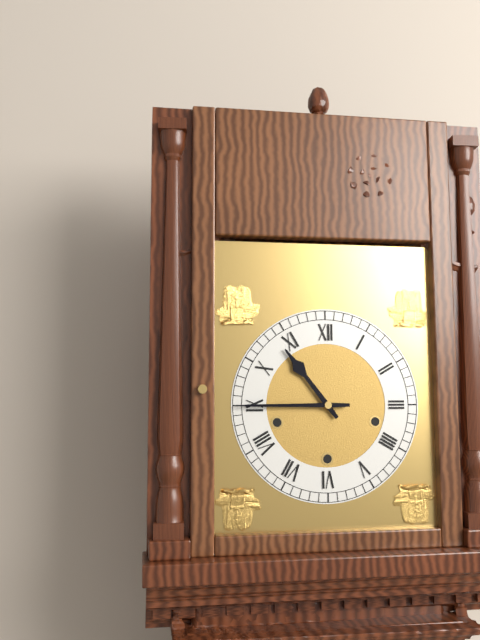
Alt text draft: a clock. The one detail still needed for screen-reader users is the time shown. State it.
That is 10:45
